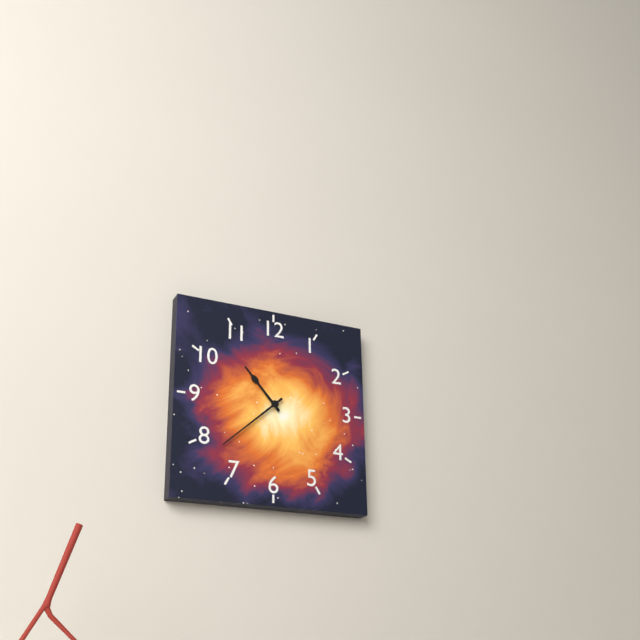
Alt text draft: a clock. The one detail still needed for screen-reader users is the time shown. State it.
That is 10:38
